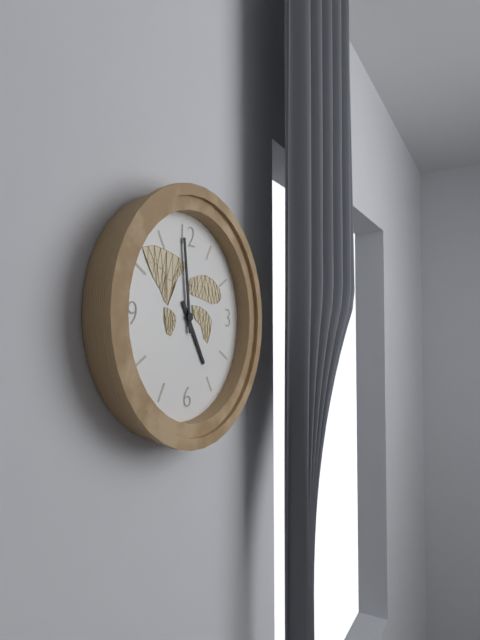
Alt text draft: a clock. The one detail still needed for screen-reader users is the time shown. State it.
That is 4:59
